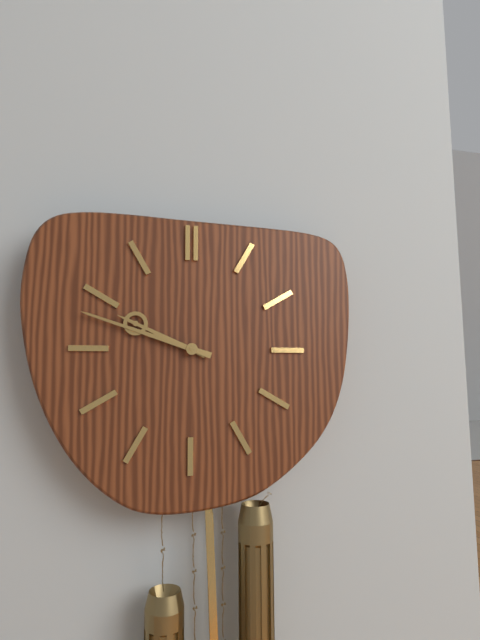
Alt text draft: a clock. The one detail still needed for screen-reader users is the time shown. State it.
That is 9:48
